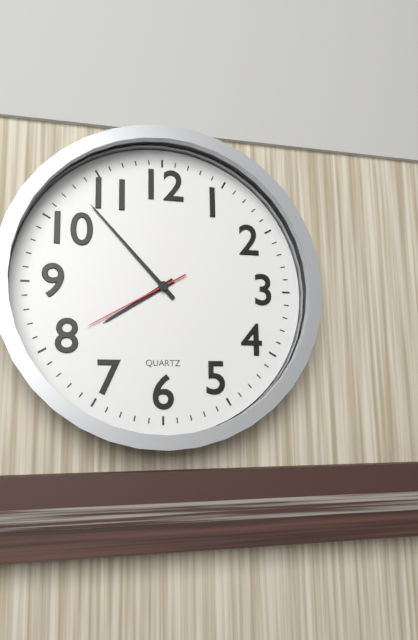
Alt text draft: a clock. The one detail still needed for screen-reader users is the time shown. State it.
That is 7:53:40
